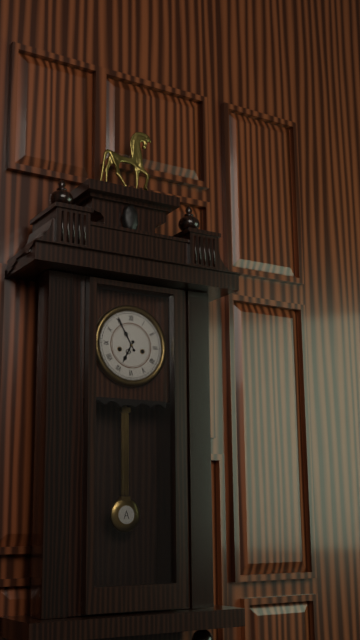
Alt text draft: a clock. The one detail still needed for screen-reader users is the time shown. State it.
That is 6:55
